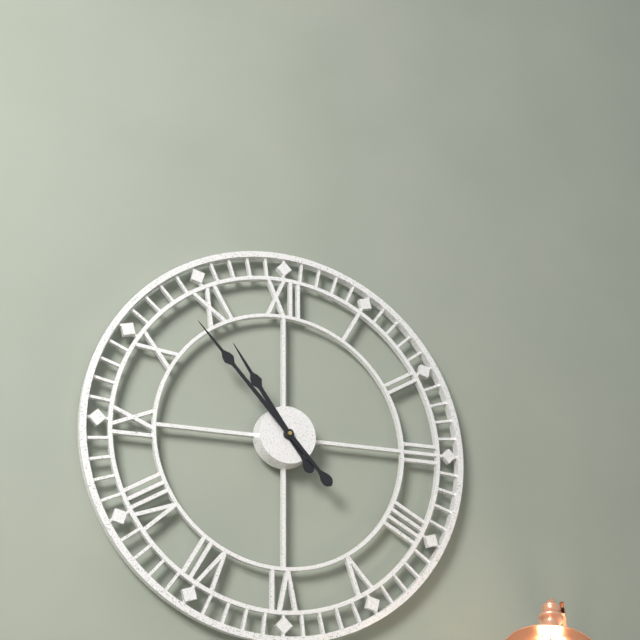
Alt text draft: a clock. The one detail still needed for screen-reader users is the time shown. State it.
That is 10:53
